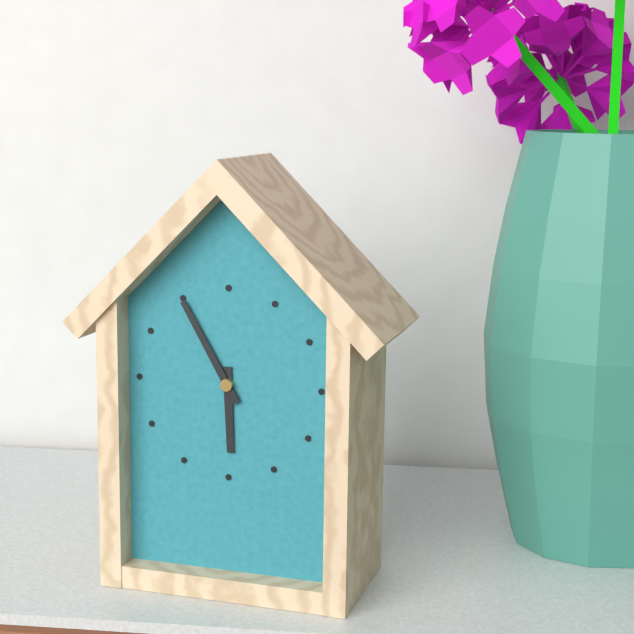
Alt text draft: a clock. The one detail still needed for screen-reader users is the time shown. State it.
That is 5:55
